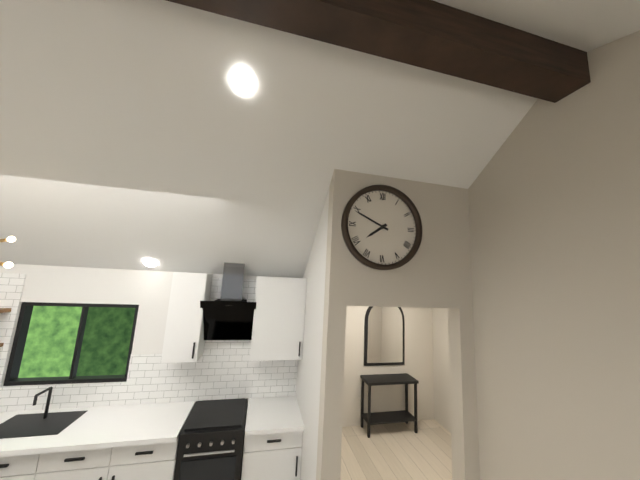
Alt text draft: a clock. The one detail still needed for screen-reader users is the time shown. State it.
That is 7:49
